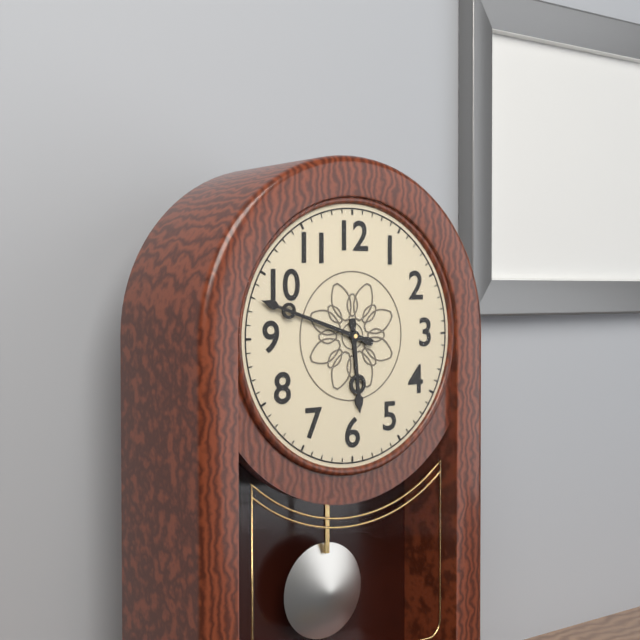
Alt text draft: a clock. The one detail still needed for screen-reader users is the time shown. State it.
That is 5:48
